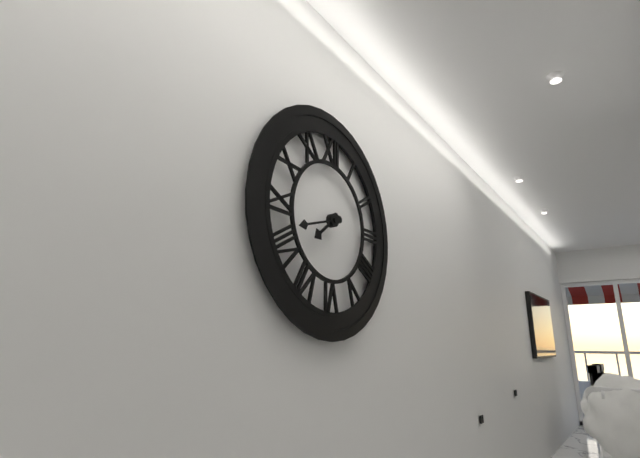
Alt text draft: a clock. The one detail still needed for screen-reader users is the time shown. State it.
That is 7:42
